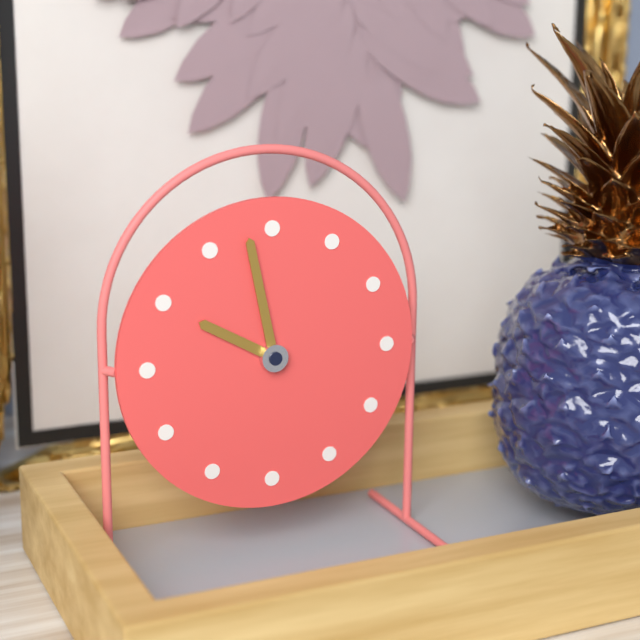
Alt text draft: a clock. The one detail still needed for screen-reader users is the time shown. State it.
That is 9:58
